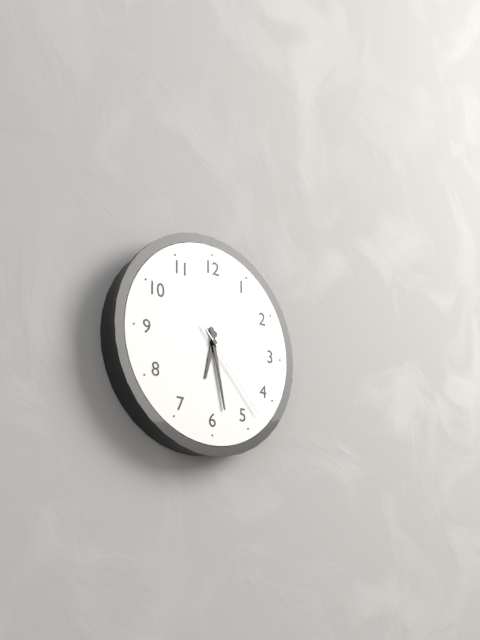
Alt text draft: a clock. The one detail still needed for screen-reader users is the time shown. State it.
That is 6:28:23
